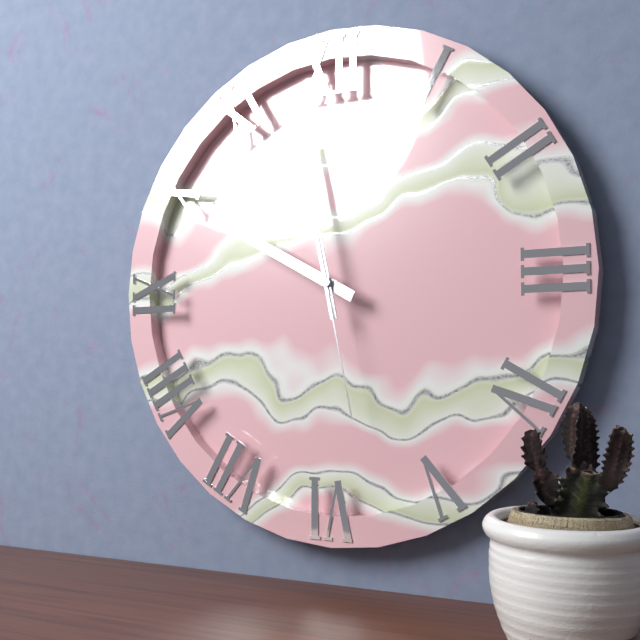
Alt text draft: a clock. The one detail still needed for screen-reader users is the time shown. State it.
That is 9:58:28
